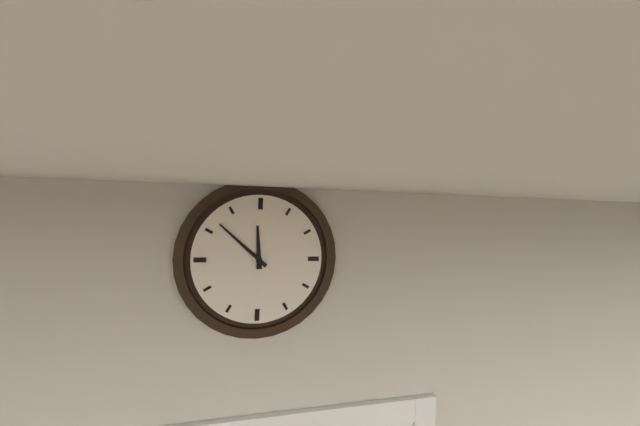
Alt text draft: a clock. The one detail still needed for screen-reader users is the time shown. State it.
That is 11:52
